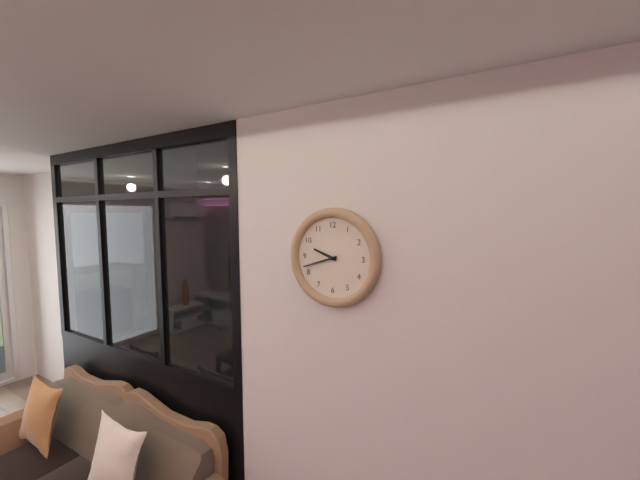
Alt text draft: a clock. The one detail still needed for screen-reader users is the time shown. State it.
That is 9:42
